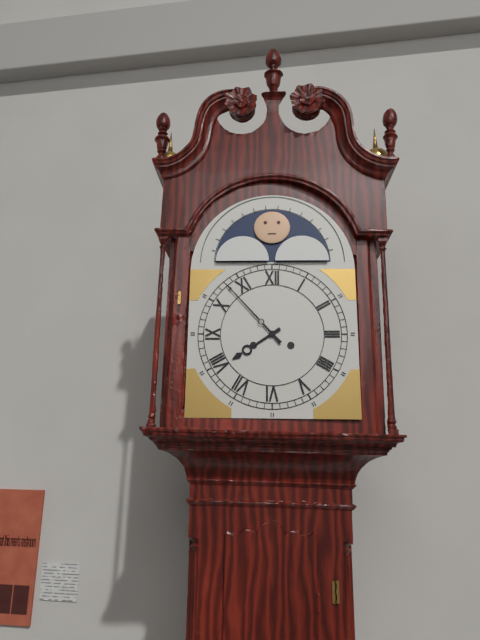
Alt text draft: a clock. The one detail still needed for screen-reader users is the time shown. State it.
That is 7:53
